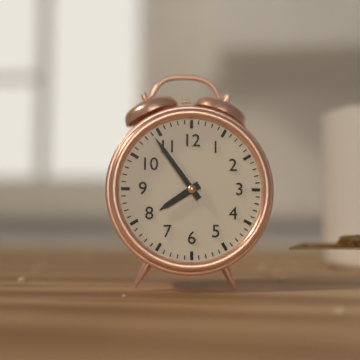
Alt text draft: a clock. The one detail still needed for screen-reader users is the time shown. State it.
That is 7:54
